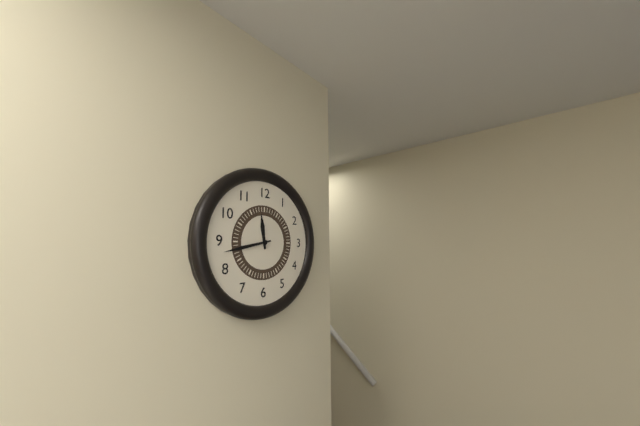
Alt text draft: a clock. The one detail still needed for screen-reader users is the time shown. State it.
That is 11:43
